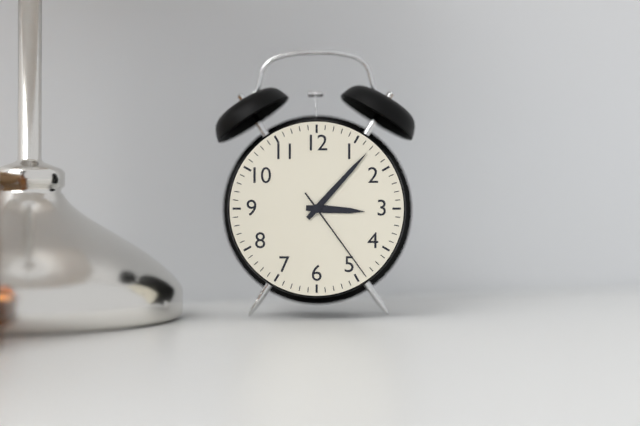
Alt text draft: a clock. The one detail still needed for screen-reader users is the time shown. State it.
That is 3:07:24
